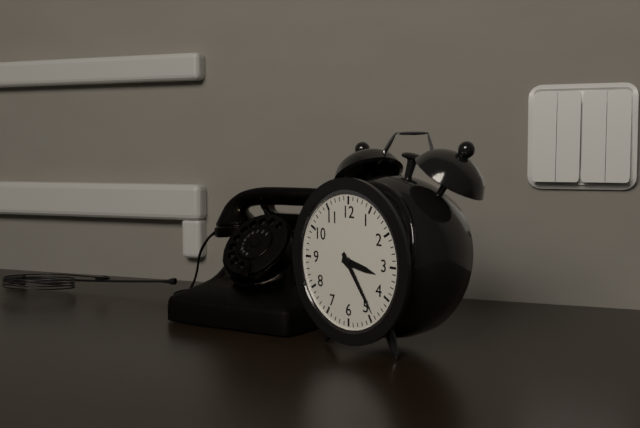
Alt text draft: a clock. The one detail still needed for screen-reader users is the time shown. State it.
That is 3:24
